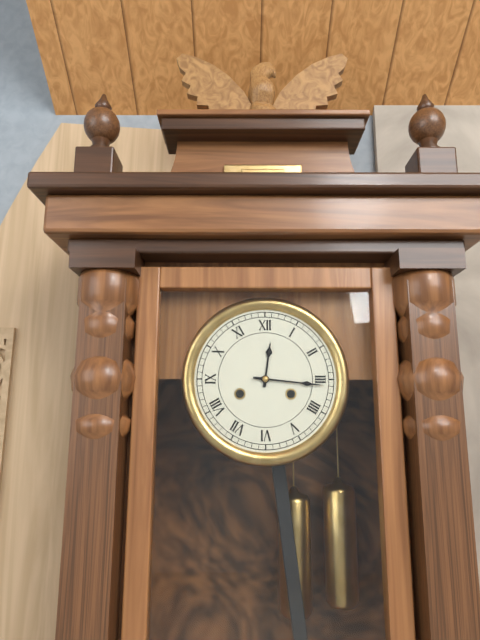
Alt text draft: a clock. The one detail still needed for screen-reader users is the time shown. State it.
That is 12:16
